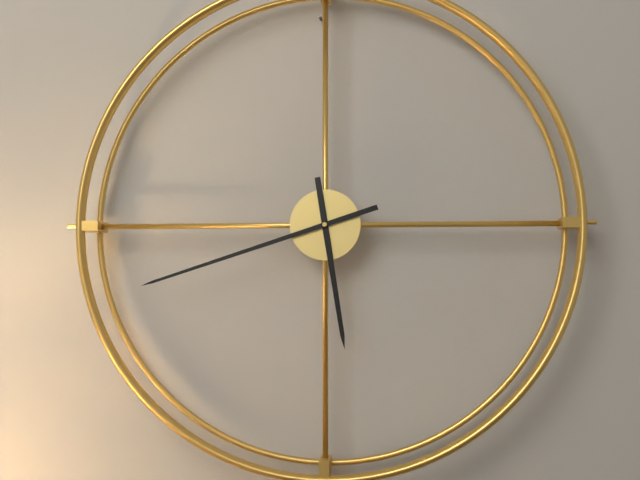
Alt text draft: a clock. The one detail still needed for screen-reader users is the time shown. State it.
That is 5:42
